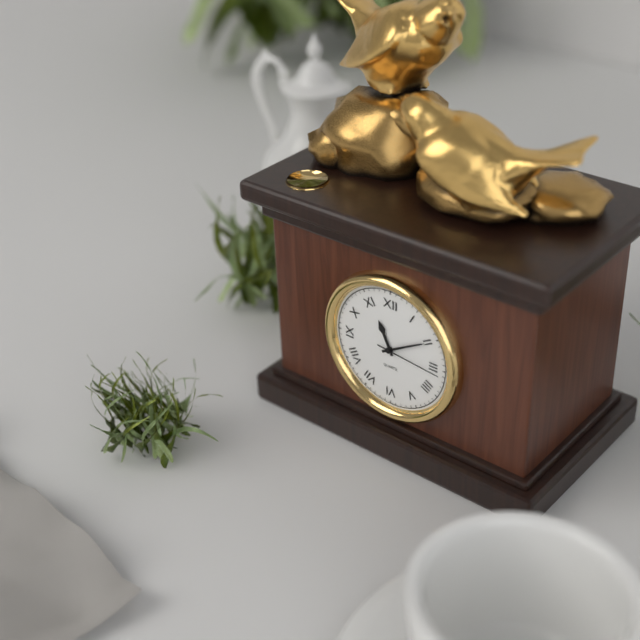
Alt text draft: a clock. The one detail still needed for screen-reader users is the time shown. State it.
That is 11:10:16
